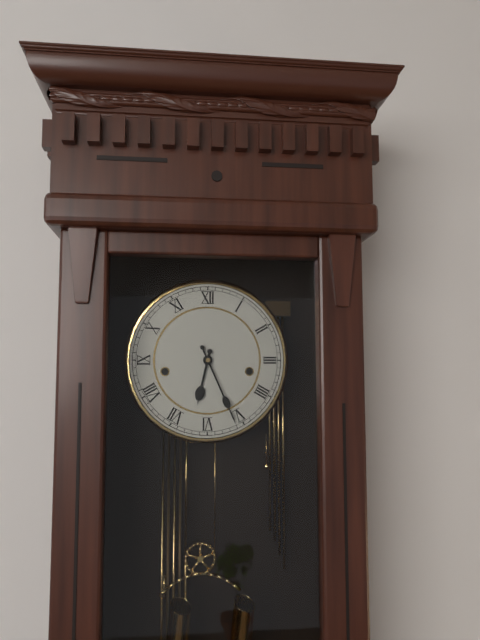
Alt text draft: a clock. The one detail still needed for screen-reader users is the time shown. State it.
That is 6:26
